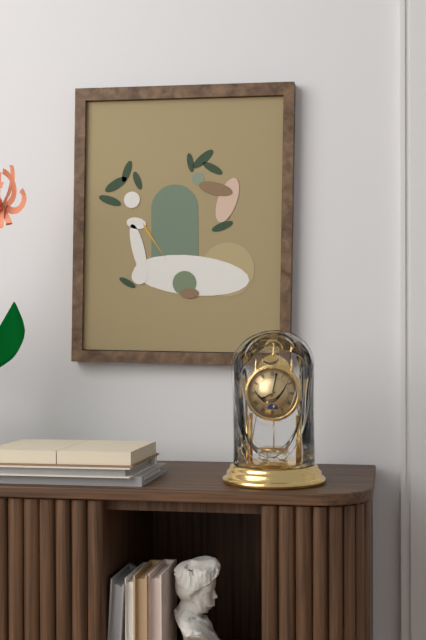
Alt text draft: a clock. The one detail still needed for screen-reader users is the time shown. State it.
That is 8:02
